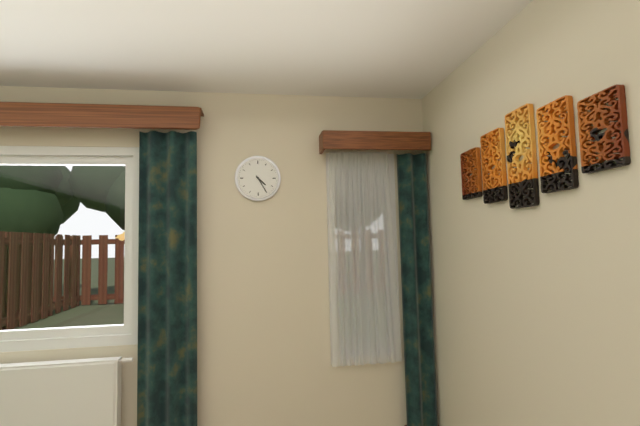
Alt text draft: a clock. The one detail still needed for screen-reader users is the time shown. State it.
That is 4:25
